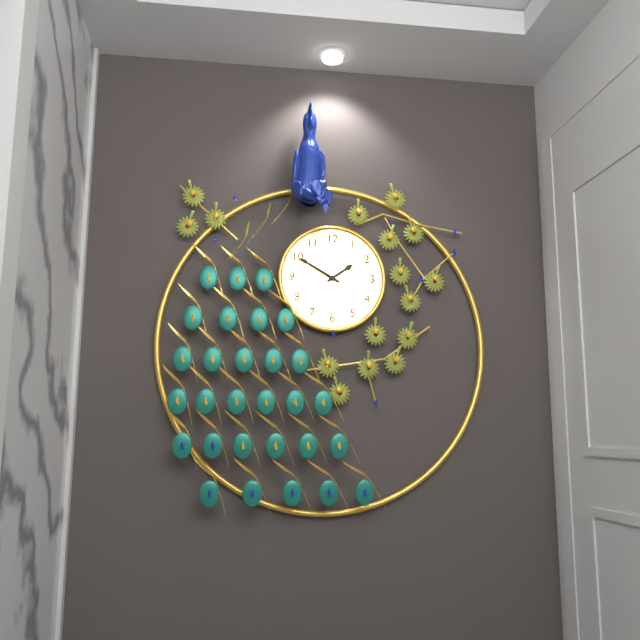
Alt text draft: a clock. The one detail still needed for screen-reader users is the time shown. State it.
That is 1:50
